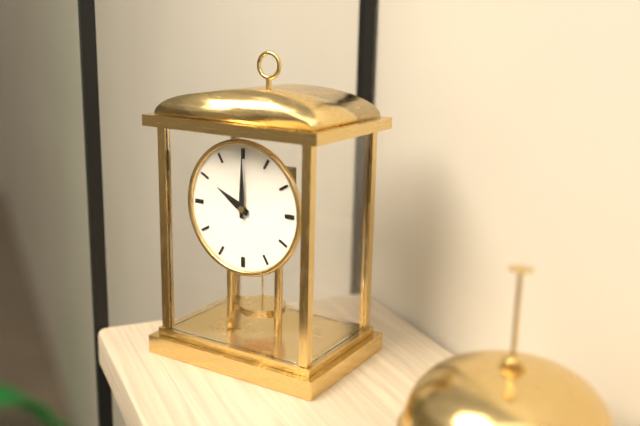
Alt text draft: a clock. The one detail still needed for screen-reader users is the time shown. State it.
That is 10:00
